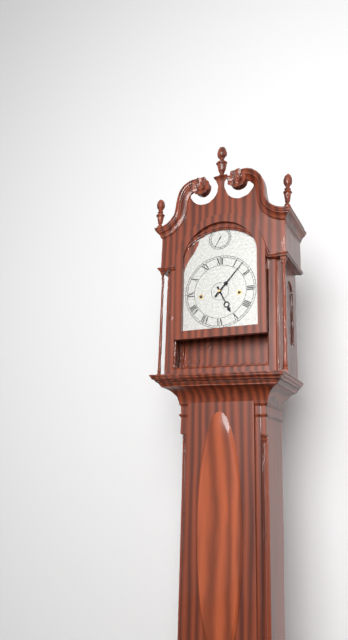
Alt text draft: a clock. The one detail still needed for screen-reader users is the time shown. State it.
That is 5:07
